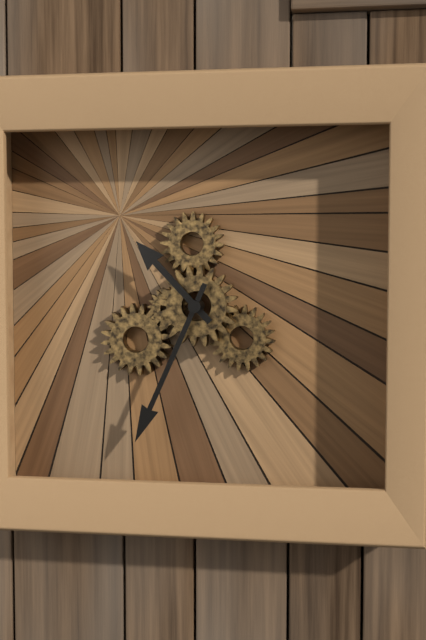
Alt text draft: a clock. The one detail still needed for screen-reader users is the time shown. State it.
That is 10:34
